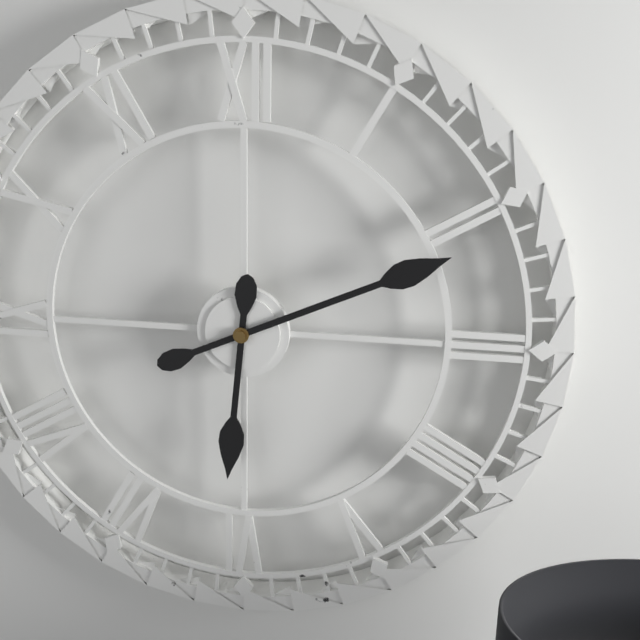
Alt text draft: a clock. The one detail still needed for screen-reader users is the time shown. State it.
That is 6:11
